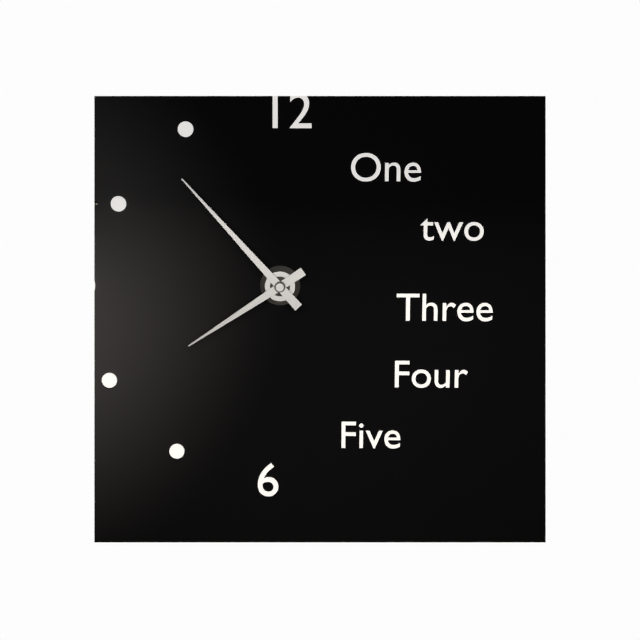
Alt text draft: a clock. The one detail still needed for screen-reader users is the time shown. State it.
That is 7:53
